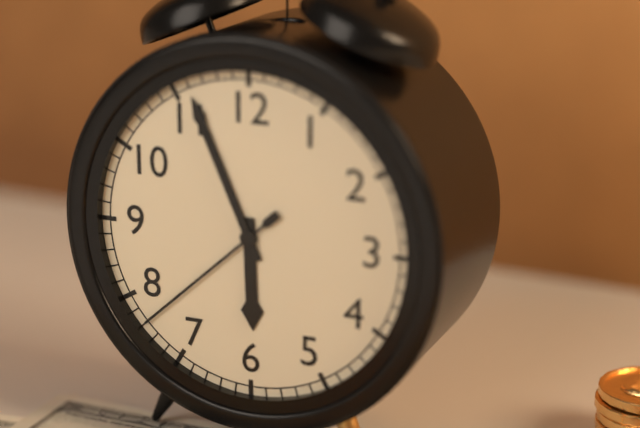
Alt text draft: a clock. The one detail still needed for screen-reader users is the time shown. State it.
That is 5:56:38
